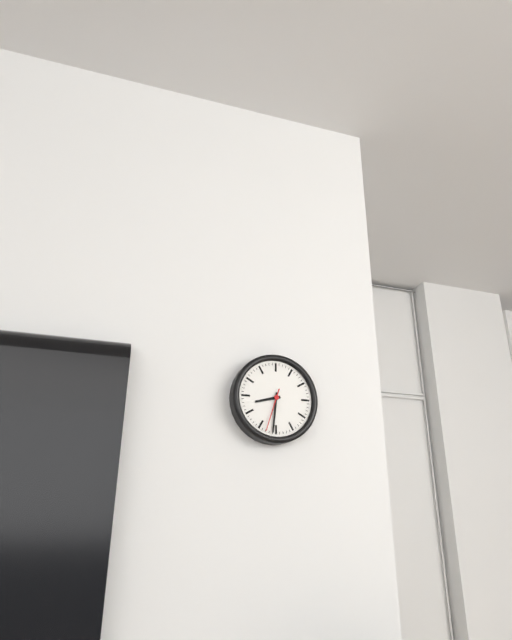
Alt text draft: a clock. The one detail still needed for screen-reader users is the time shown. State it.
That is 8:31
